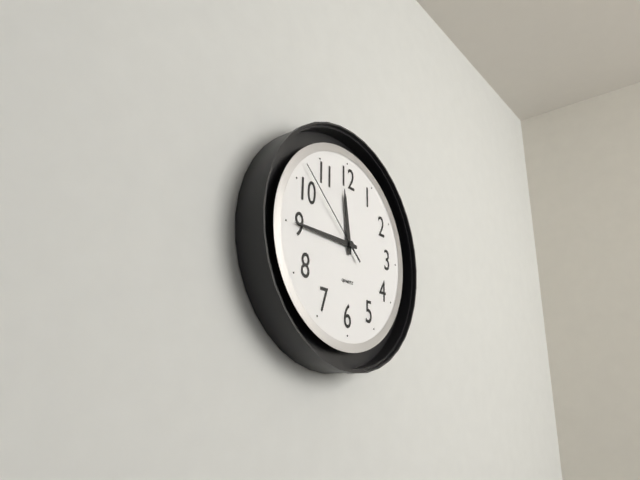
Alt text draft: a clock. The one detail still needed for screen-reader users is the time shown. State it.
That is 11:45:52
